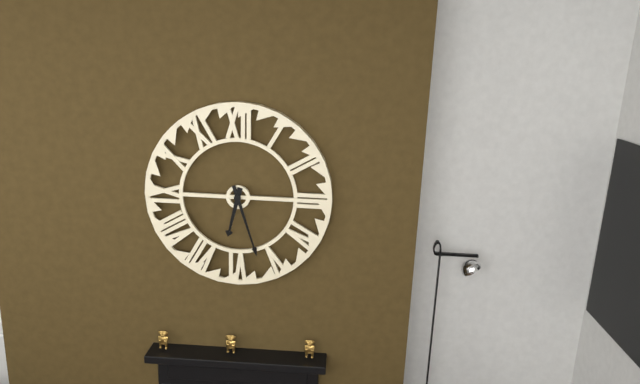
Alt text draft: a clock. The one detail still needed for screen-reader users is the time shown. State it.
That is 6:27
